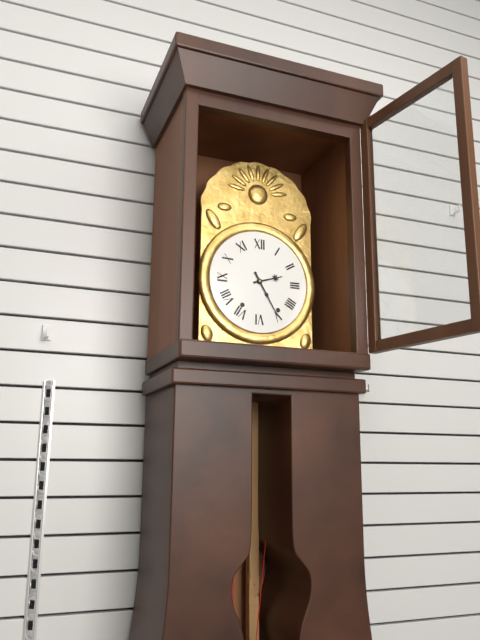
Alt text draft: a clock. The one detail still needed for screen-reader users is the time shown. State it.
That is 2:25
